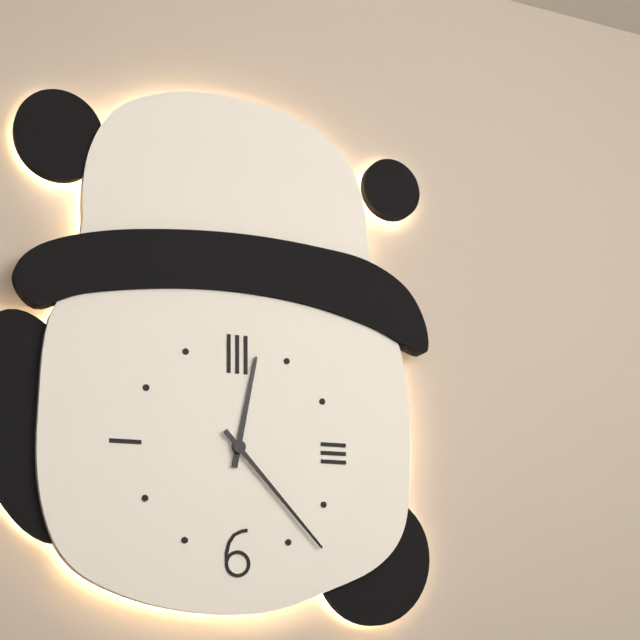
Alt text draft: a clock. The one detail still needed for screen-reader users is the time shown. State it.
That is 12:23
